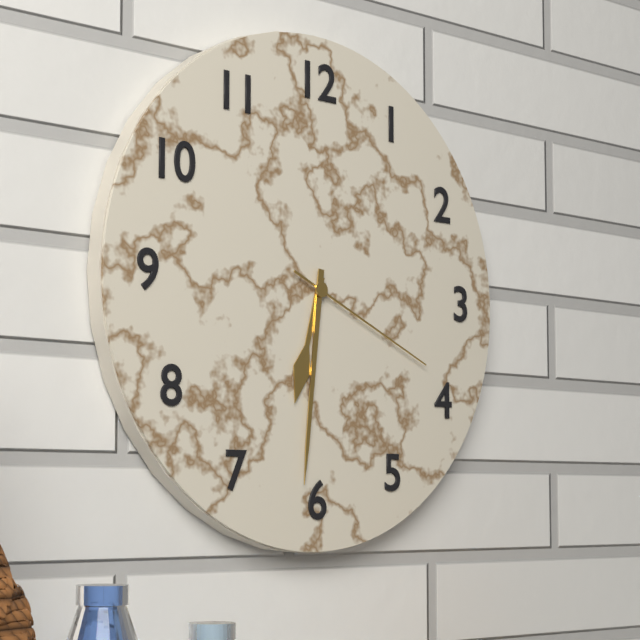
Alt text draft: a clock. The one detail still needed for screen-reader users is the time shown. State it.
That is 6:31:19
